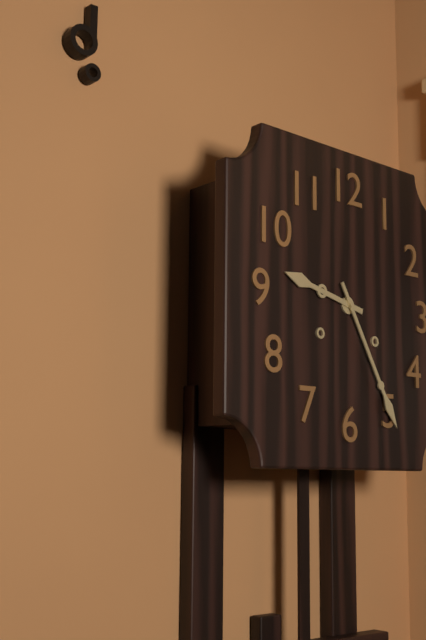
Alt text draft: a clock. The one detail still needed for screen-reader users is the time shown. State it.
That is 9:25
